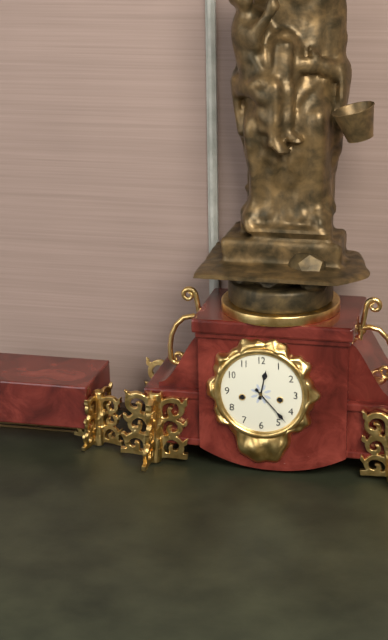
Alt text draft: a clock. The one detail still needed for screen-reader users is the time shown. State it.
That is 12:23
